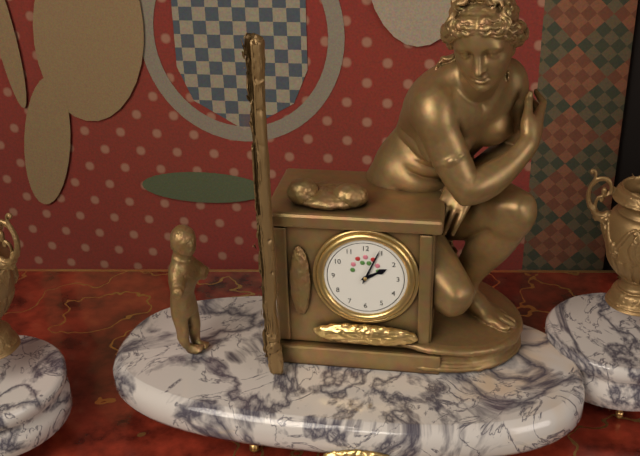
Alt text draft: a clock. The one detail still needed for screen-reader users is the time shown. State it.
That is 2:04
